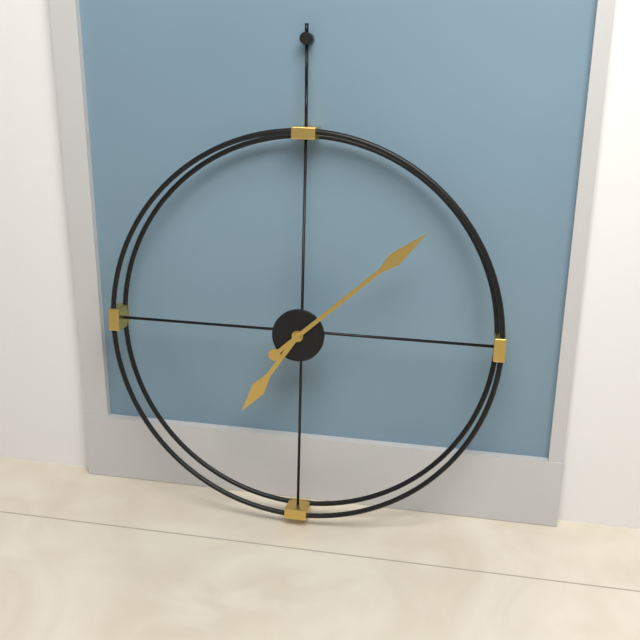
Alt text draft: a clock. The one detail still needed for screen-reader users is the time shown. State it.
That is 7:08
